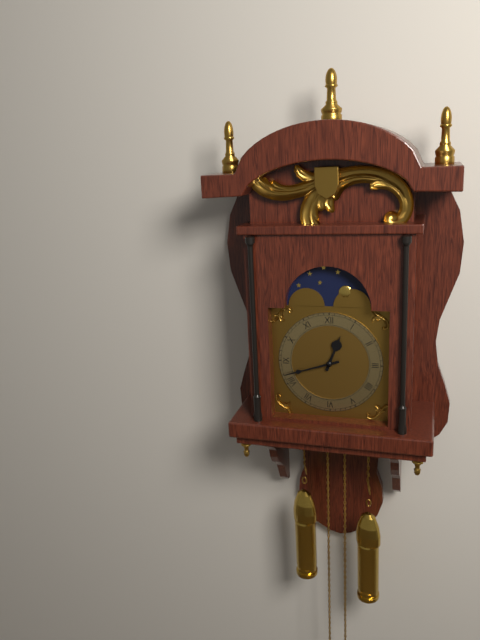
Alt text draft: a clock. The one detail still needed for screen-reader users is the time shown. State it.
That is 12:42
